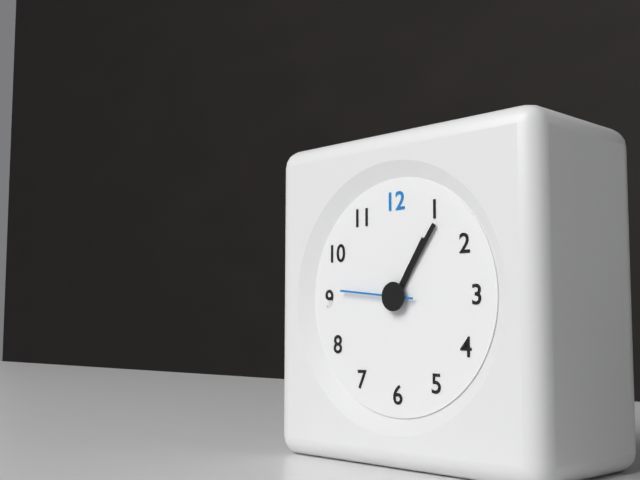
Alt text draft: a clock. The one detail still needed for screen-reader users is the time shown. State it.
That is 1:06:46
